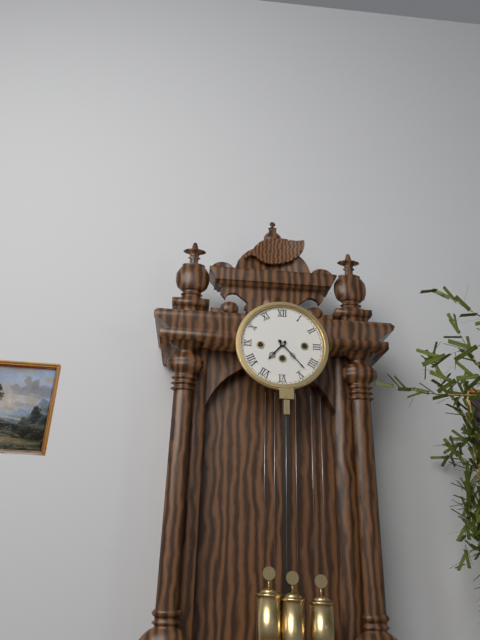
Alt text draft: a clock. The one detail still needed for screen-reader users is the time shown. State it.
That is 7:23
